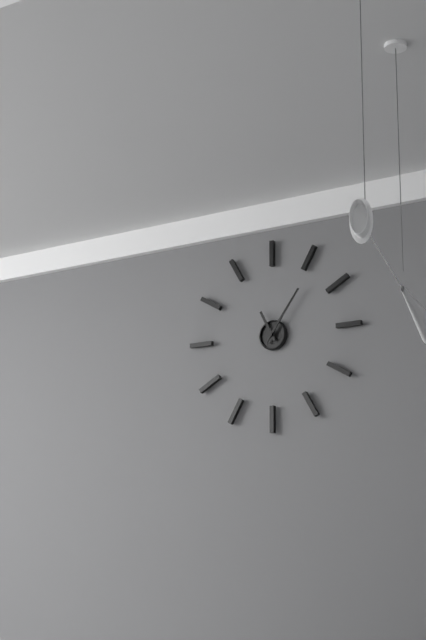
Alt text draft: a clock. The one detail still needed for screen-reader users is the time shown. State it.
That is 11:06
